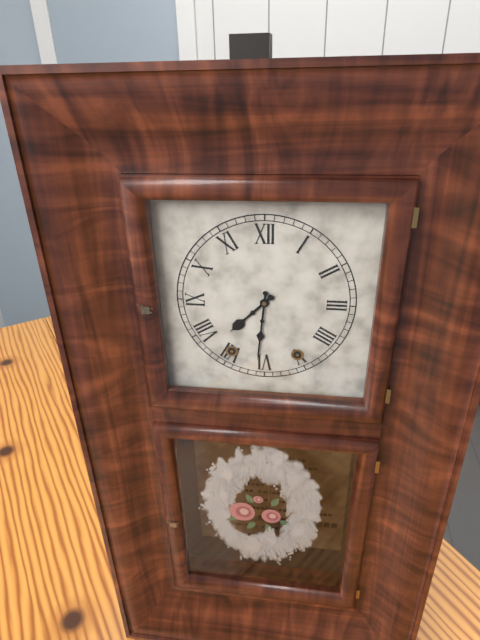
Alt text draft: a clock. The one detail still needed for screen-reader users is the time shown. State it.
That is 7:31
